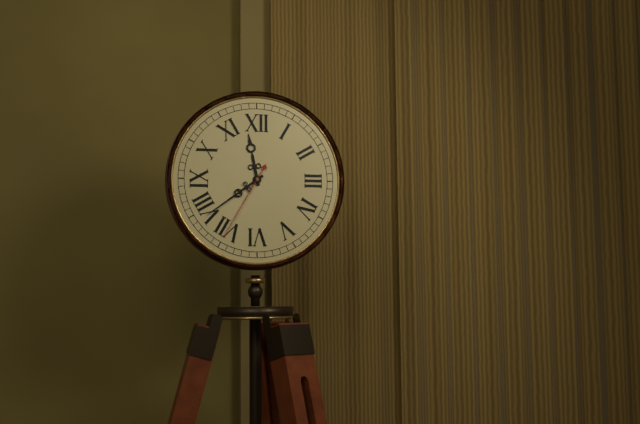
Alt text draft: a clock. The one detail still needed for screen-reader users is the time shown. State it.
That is 11:39:35
